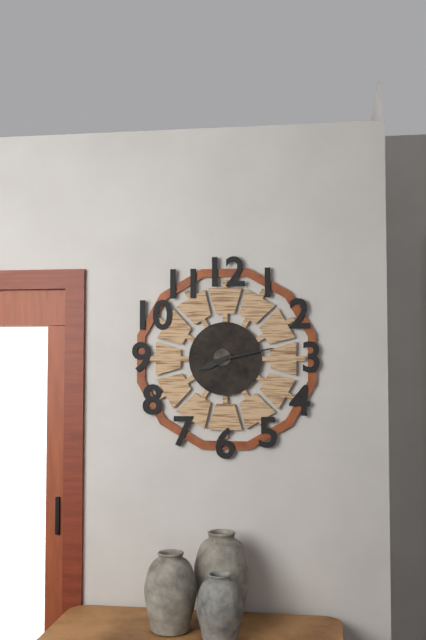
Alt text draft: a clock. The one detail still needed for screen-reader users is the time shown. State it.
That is 8:13
